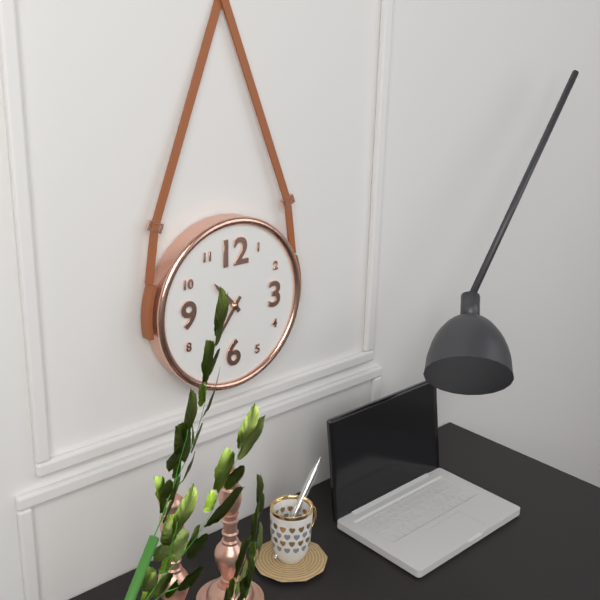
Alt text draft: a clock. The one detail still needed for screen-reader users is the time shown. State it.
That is 10:36
